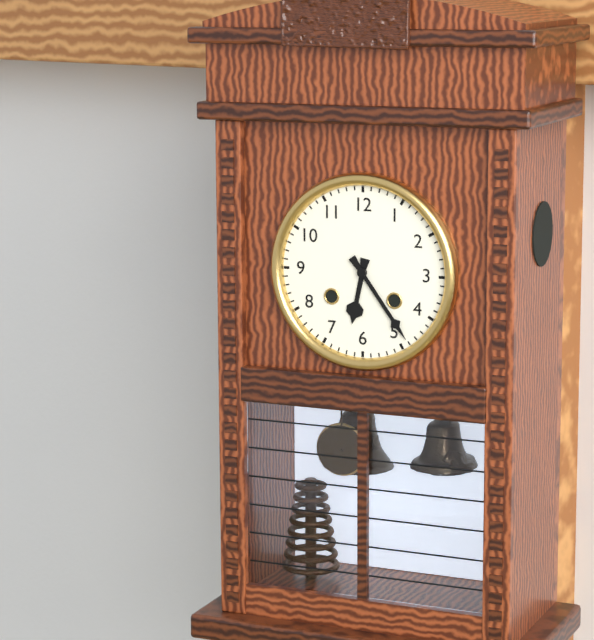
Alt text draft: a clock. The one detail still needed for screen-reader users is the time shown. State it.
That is 6:24
